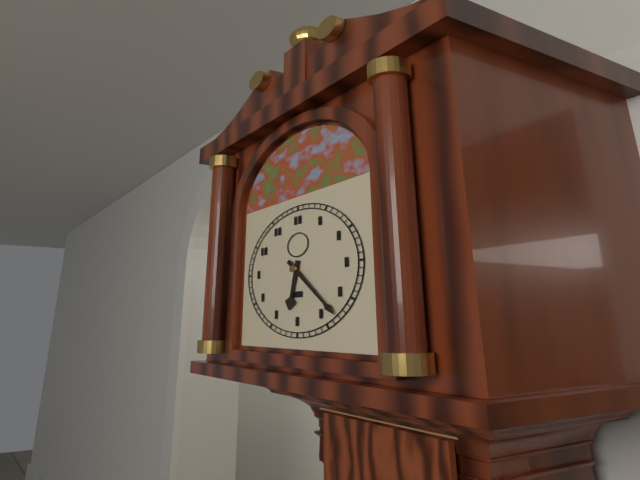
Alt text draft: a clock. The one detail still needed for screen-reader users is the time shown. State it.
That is 6:23
